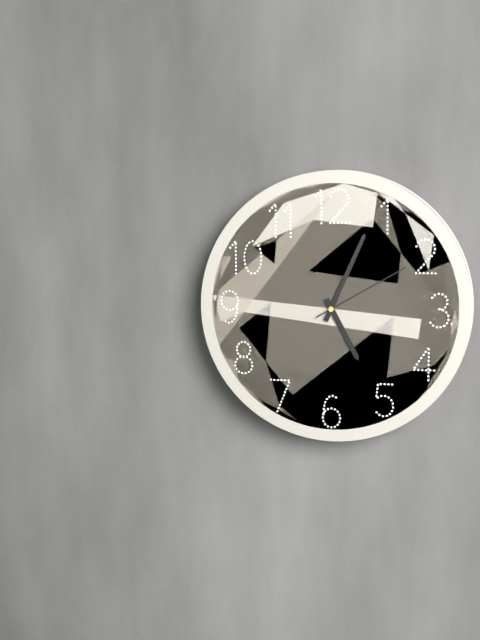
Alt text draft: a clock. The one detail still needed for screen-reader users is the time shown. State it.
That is 5:04:10
